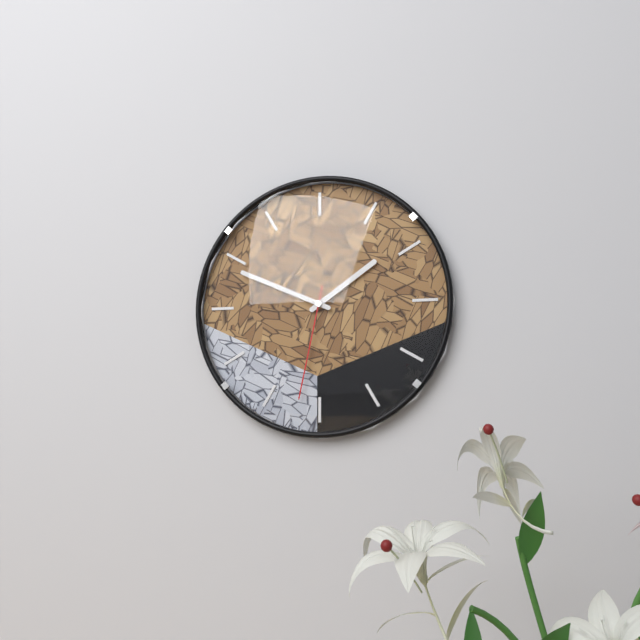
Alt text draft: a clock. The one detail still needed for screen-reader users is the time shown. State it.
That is 1:49:32
